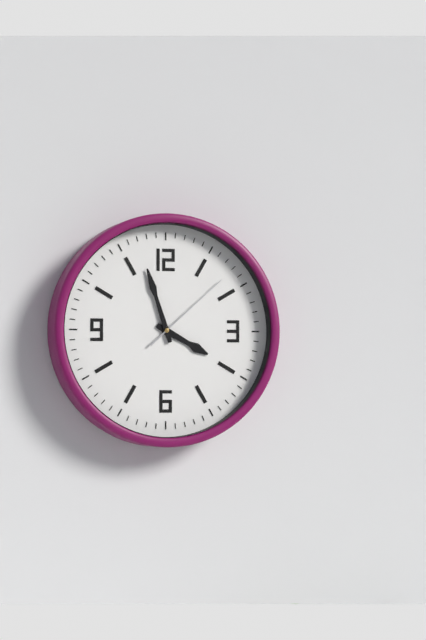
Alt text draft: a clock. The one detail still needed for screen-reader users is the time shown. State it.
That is 3:57:08
